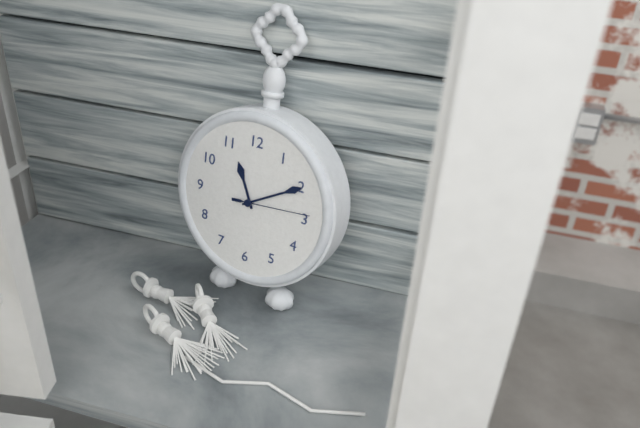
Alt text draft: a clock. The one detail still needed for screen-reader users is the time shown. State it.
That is 11:10:14
